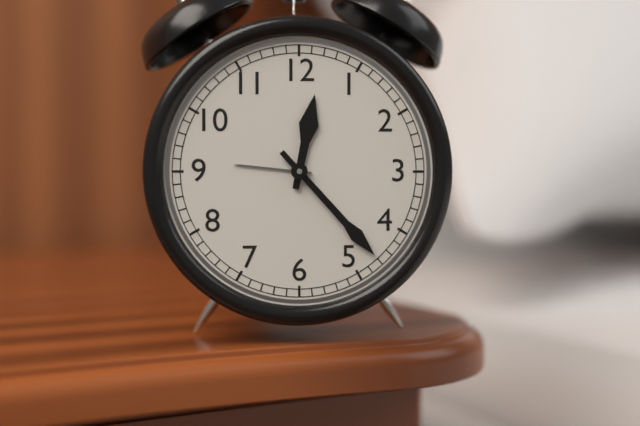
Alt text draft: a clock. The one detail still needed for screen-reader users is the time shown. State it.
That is 12:23
